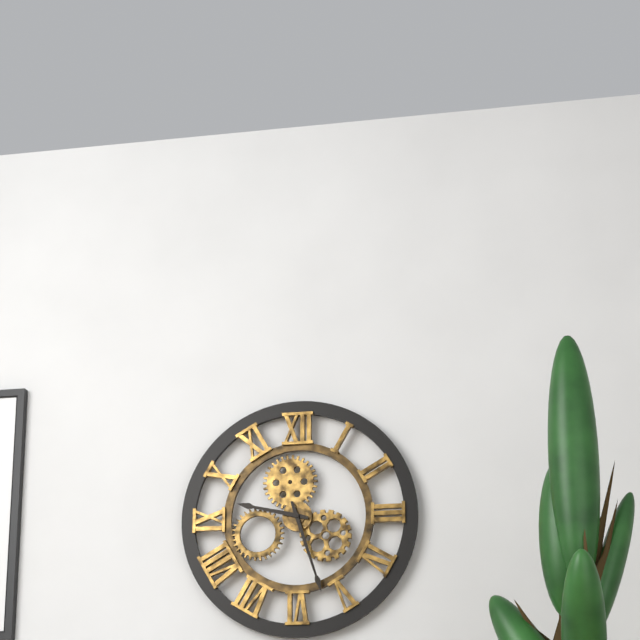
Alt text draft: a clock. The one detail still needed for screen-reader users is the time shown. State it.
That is 9:27
